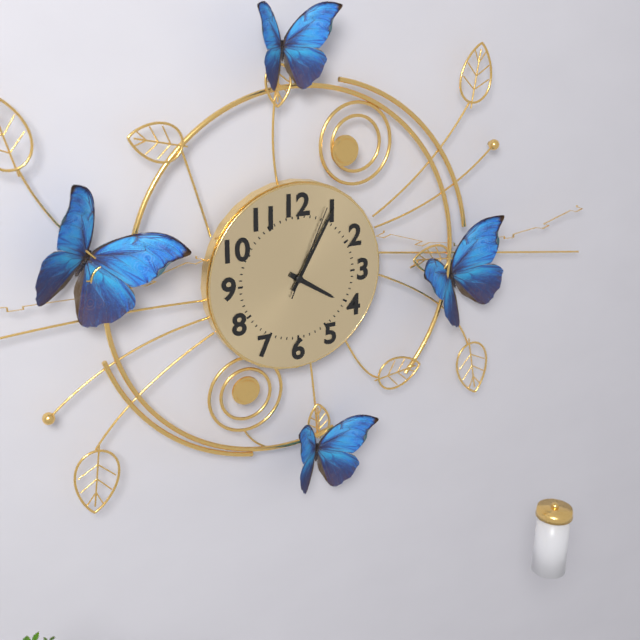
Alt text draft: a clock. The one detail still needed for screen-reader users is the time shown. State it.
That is 4:05:04
